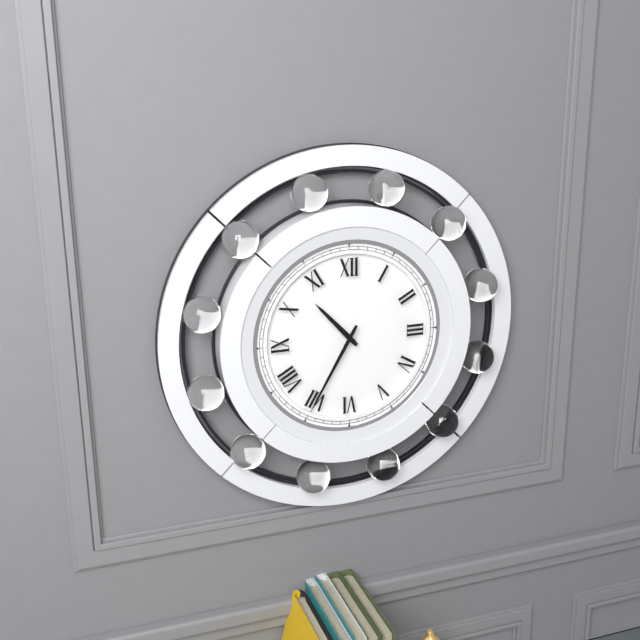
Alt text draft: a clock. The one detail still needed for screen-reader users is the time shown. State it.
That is 10:35
